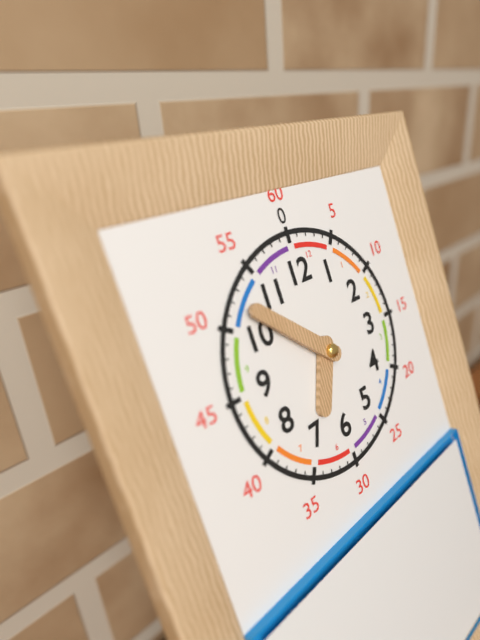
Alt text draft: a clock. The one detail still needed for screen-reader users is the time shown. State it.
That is 6:52
